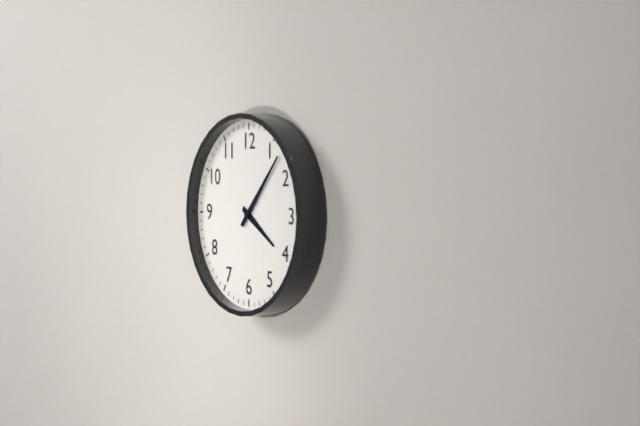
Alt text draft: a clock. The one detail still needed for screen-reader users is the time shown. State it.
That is 4:07
